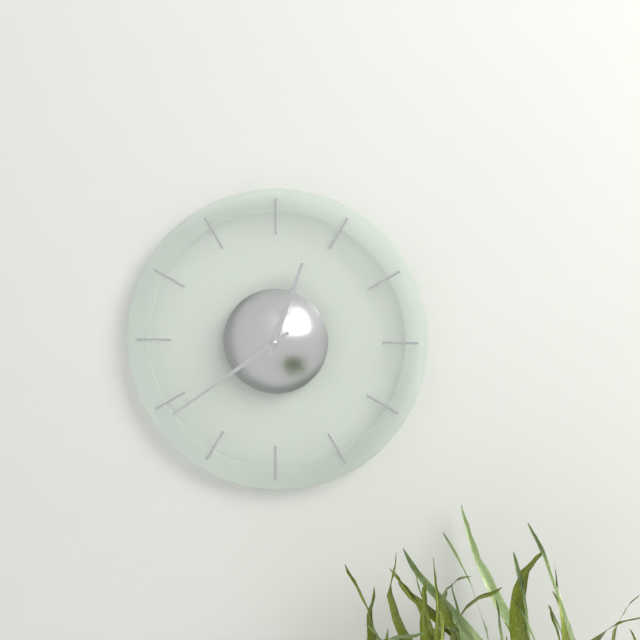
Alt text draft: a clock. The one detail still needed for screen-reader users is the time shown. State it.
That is 12:39
